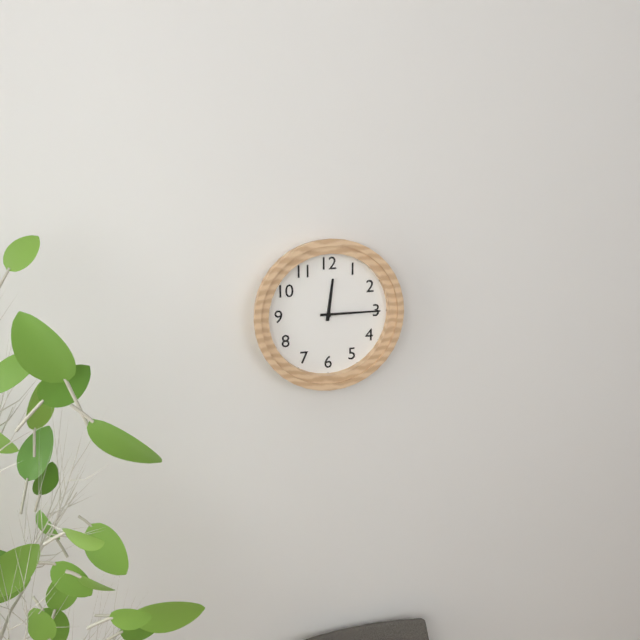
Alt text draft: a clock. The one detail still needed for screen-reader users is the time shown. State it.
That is 12:15
